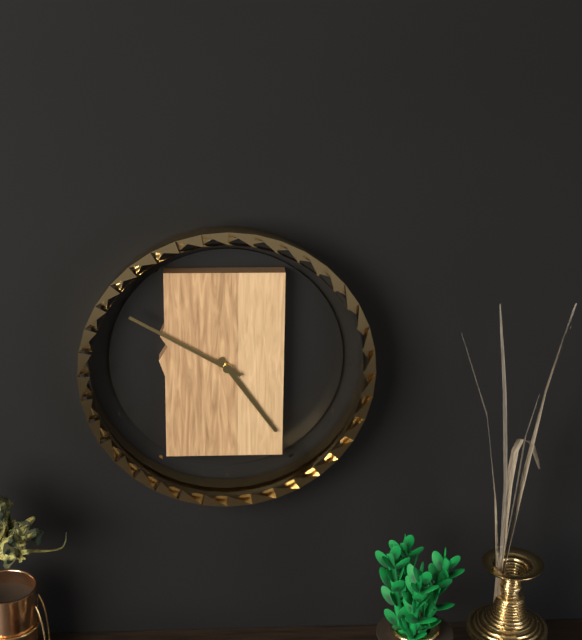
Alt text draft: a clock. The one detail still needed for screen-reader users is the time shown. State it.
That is 4:50
